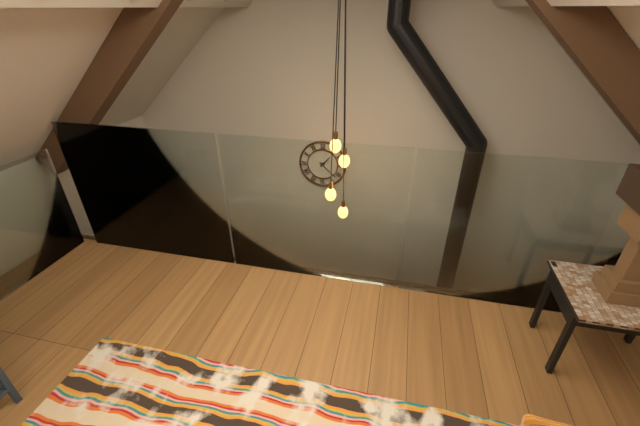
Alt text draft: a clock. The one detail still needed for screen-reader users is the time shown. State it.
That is 1:22
